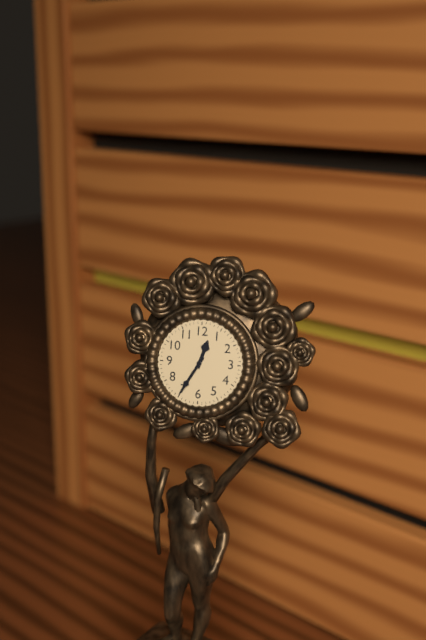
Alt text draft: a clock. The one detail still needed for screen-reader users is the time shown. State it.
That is 12:35
